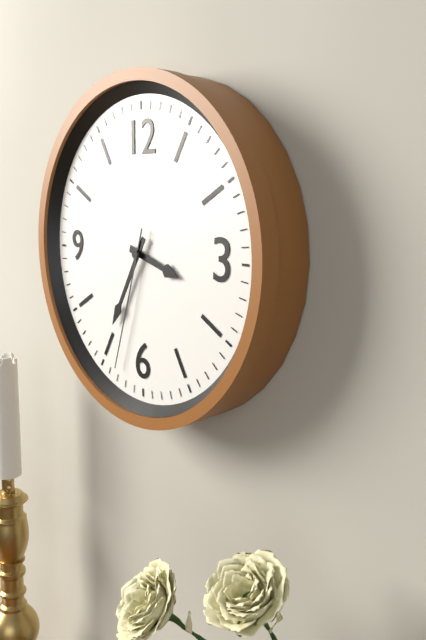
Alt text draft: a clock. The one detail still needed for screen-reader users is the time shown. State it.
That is 3:35:33
